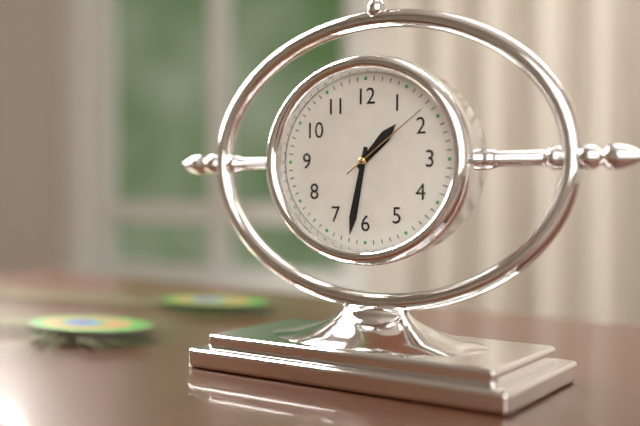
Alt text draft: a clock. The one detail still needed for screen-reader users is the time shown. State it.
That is 1:32:09
